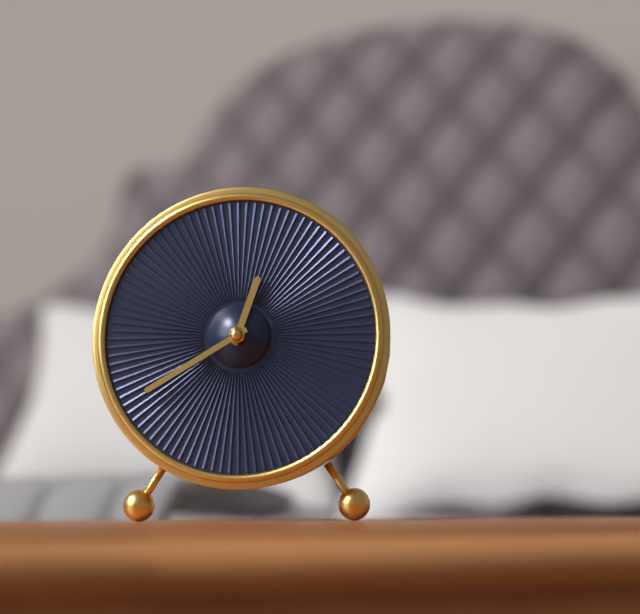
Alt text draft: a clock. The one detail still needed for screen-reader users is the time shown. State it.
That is 12:40
